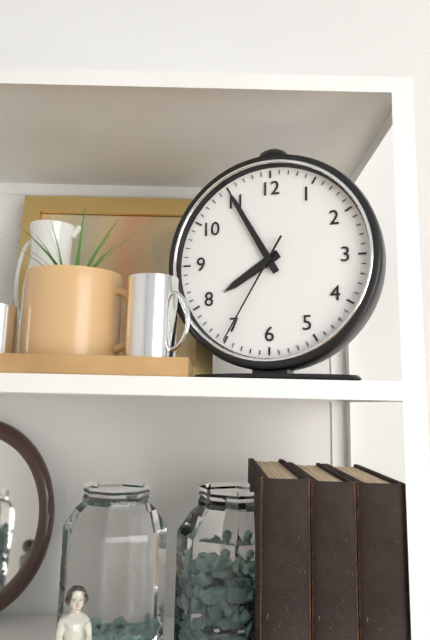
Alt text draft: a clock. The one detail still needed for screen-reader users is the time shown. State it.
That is 7:55:35
